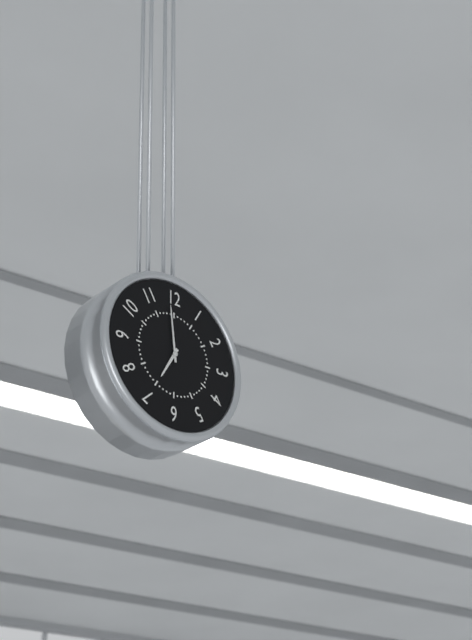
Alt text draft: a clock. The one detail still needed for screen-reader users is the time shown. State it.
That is 6:59
